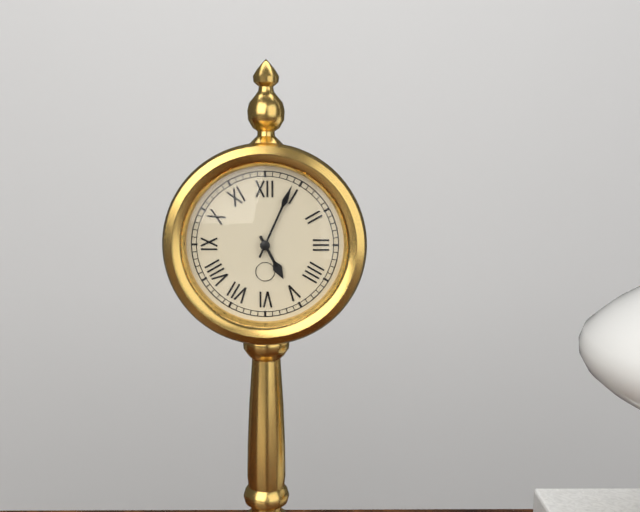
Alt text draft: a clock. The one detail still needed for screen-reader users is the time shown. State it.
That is 5:04
